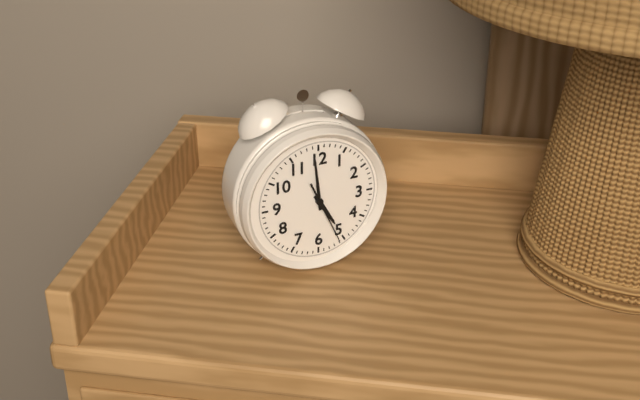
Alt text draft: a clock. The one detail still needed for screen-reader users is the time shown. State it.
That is 4:59:26
